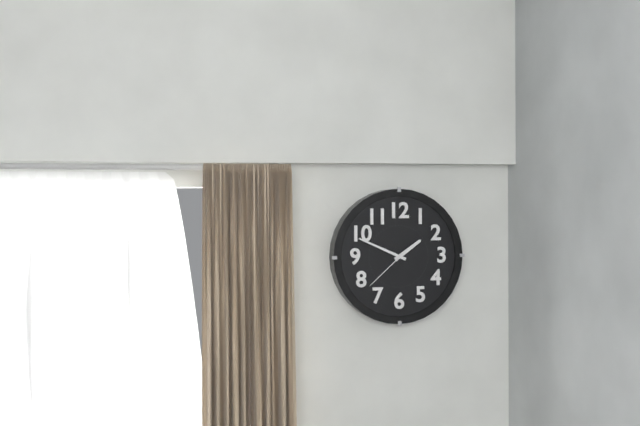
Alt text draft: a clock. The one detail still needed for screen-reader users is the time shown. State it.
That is 1:49:38
